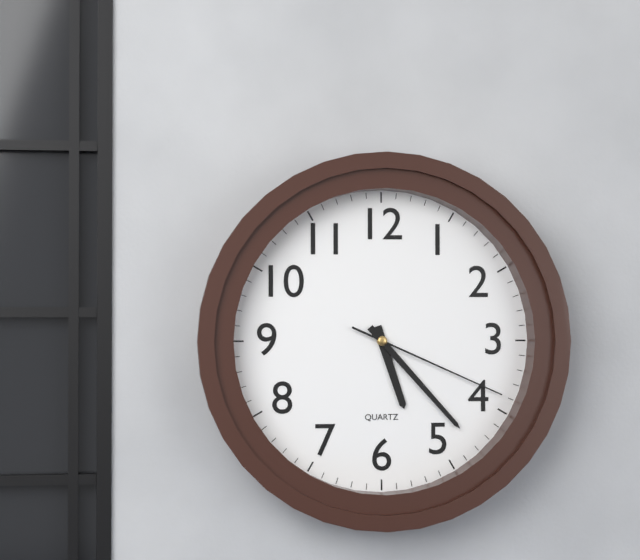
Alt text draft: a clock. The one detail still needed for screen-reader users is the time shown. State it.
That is 5:23:19
